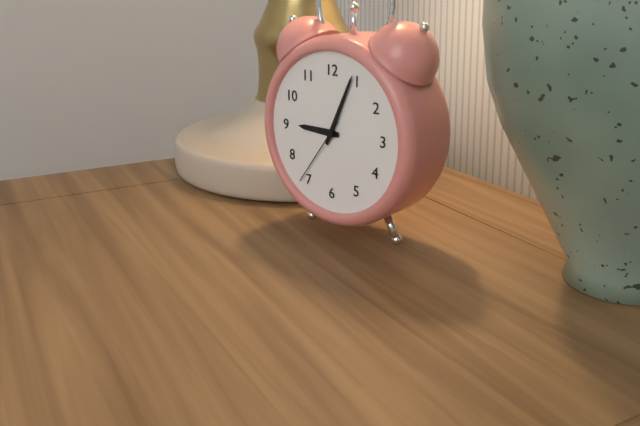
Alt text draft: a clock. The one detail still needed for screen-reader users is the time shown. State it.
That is 9:04:36
